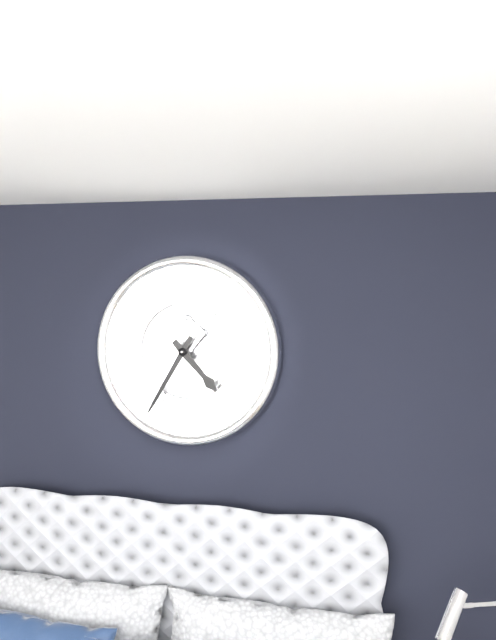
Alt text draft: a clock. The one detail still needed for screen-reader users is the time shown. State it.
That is 4:35
